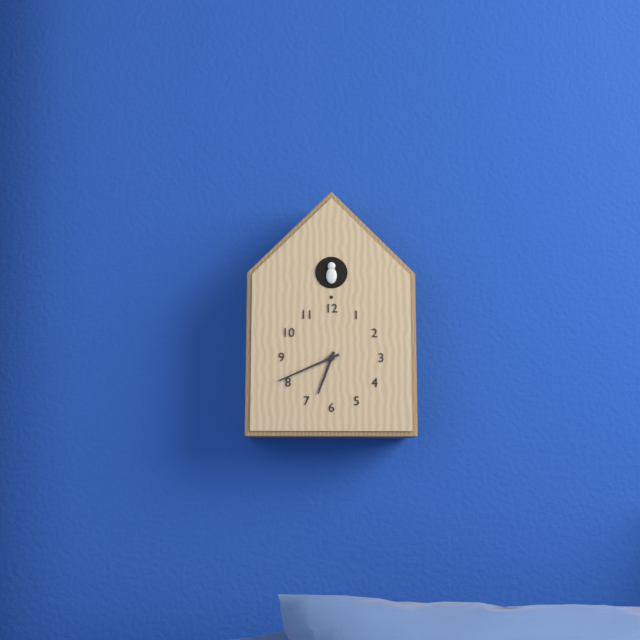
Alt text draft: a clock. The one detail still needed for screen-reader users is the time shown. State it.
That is 6:41
